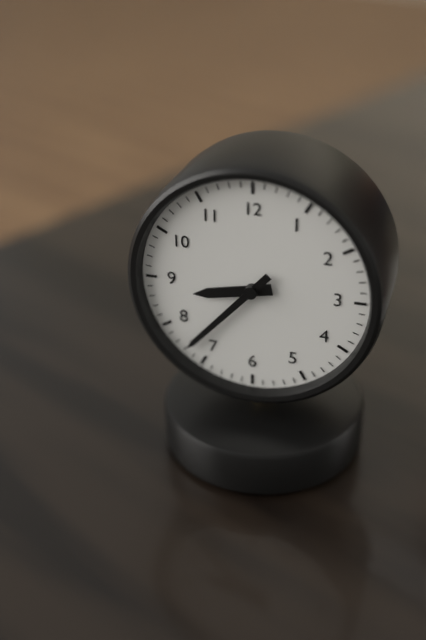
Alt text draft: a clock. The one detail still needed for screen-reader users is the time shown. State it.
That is 8:37
